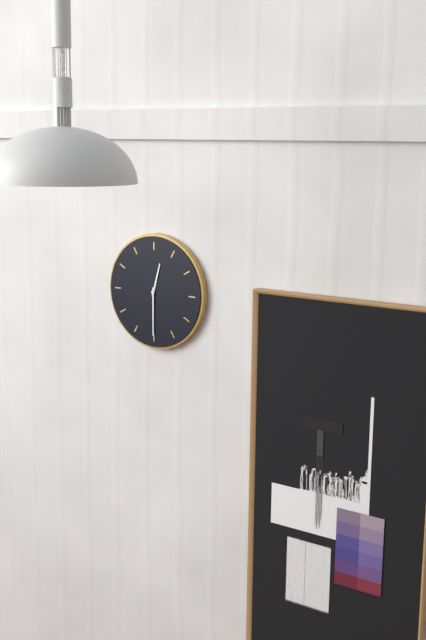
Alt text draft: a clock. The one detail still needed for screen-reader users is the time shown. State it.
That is 12:30
